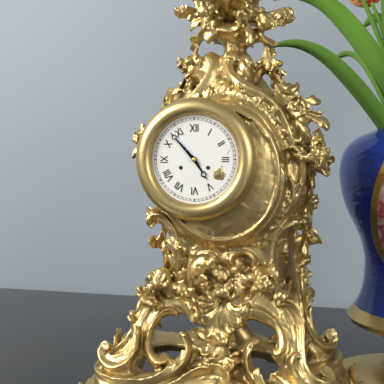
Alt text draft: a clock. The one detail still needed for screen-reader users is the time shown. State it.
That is 4:53
